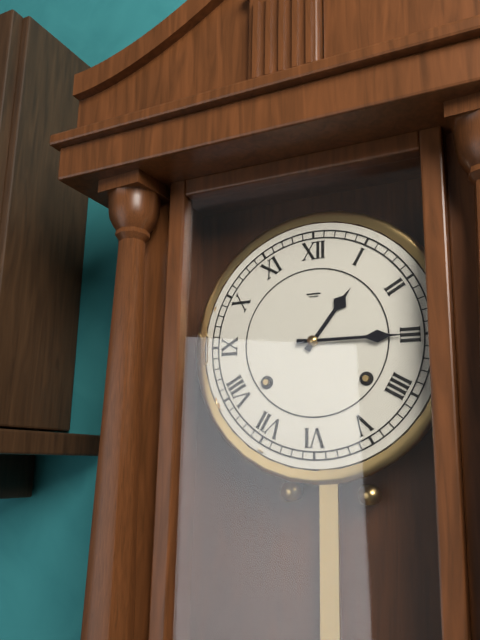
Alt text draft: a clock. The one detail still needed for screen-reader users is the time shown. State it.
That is 1:15
